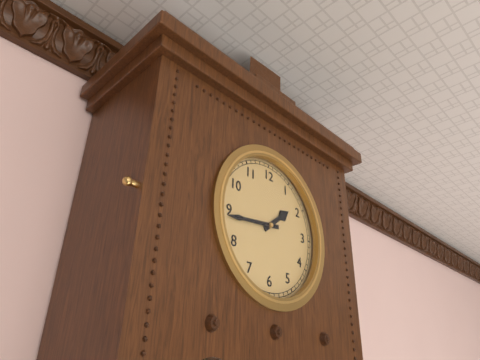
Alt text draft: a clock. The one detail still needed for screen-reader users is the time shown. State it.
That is 1:44
